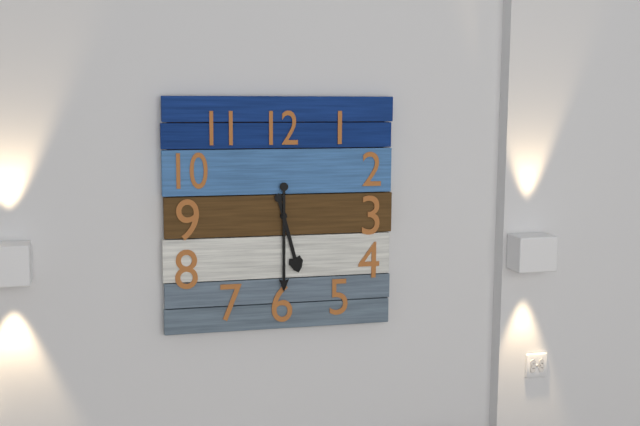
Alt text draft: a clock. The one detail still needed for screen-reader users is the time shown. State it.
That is 5:30
